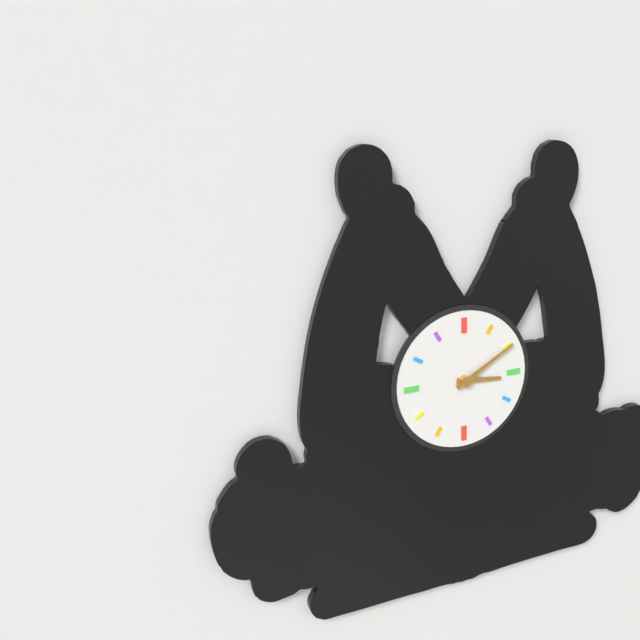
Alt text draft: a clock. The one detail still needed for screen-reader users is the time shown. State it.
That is 3:10
